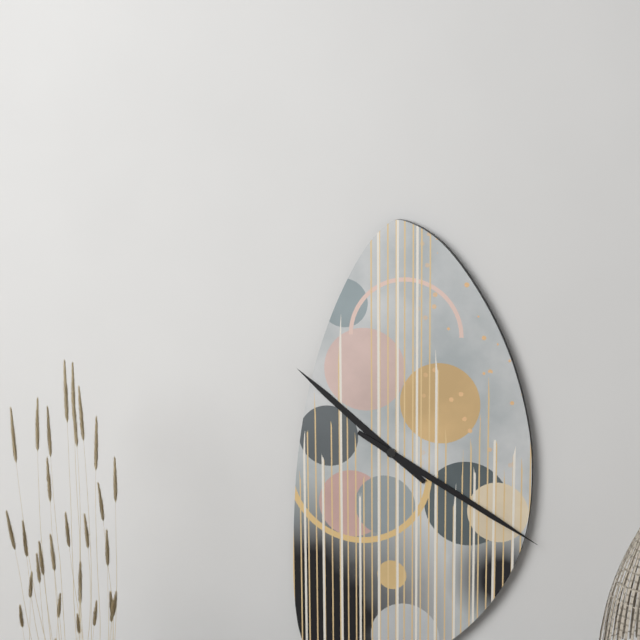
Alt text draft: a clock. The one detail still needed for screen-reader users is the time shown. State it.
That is 10:20
